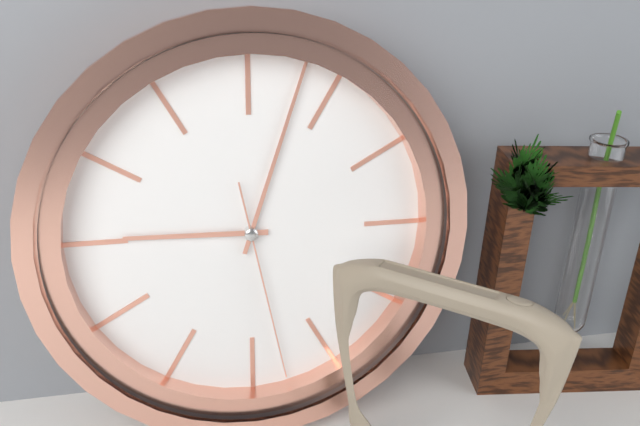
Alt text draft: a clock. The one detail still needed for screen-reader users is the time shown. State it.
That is 9:03:28
